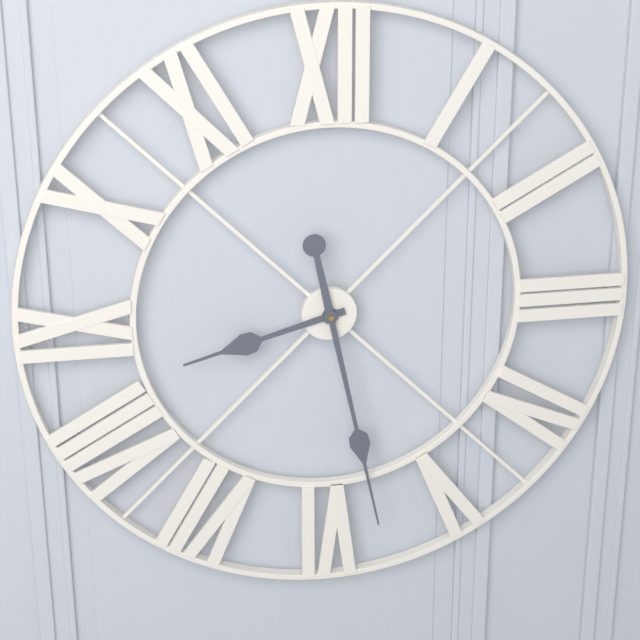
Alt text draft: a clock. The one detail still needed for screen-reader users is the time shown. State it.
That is 8:28
